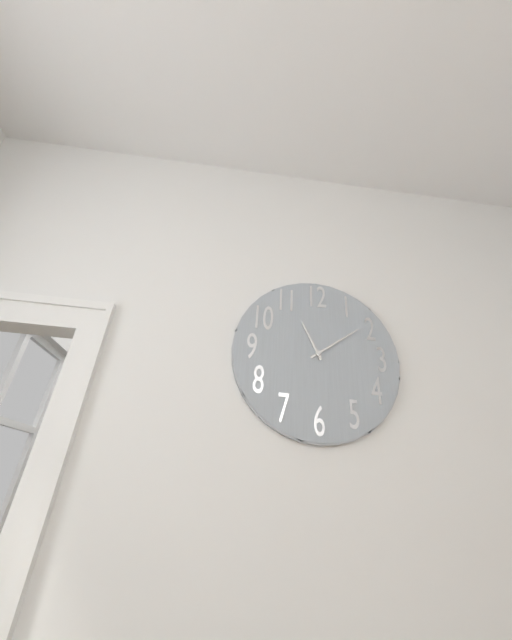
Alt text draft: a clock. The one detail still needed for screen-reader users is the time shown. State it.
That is 11:09
